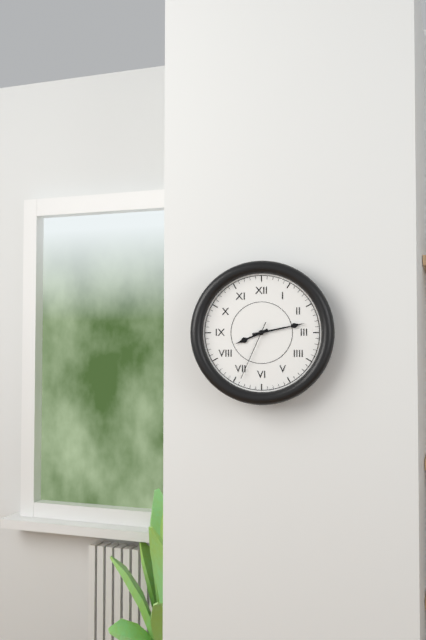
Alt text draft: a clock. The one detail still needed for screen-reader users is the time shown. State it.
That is 8:13:34
